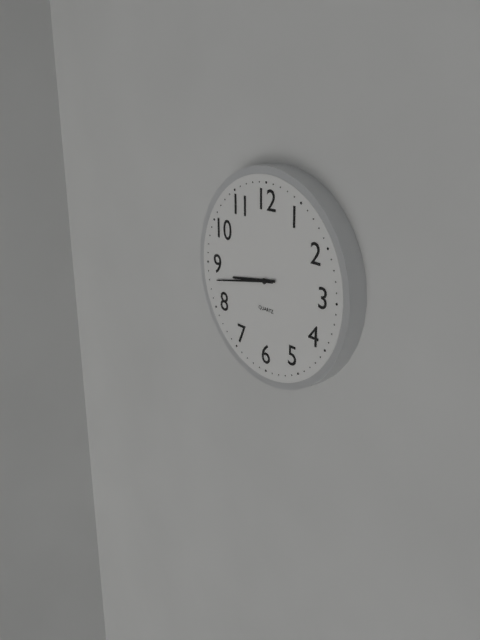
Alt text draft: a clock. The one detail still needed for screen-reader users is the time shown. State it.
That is 8:43
